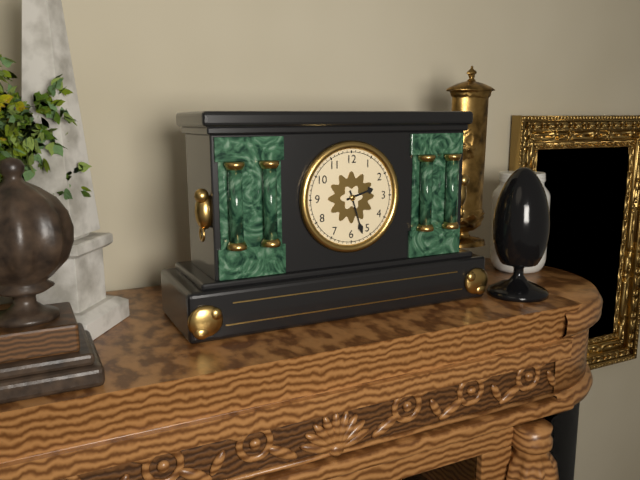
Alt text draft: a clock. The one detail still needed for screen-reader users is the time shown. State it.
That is 2:27
